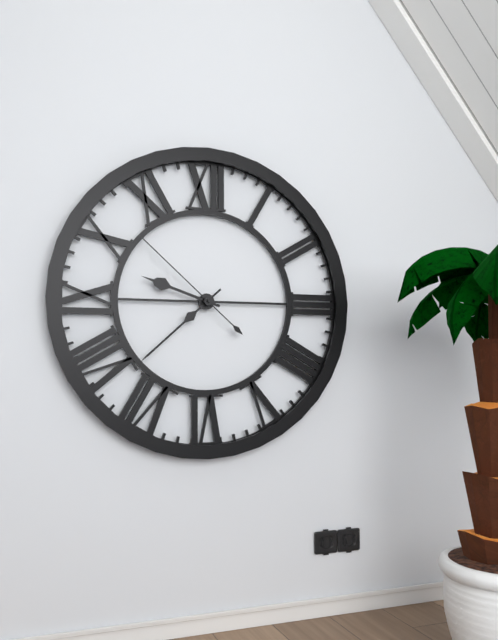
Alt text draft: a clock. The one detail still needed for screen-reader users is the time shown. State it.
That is 9:38:52
